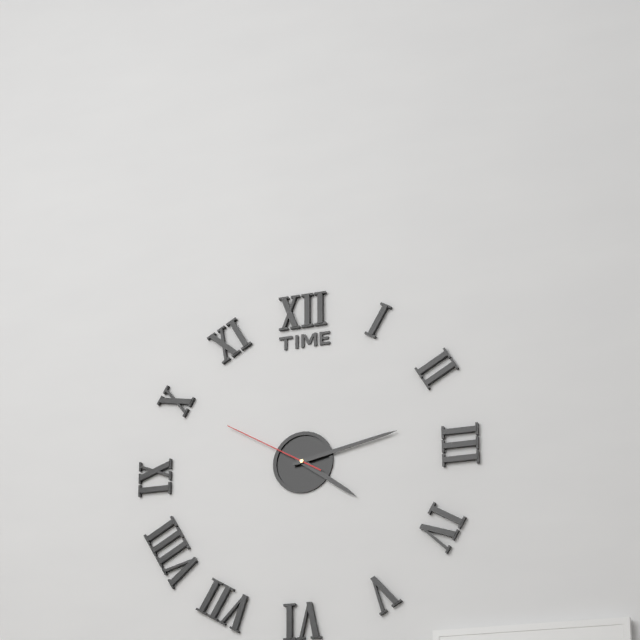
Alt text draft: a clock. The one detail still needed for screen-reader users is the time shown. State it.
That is 4:13:50
